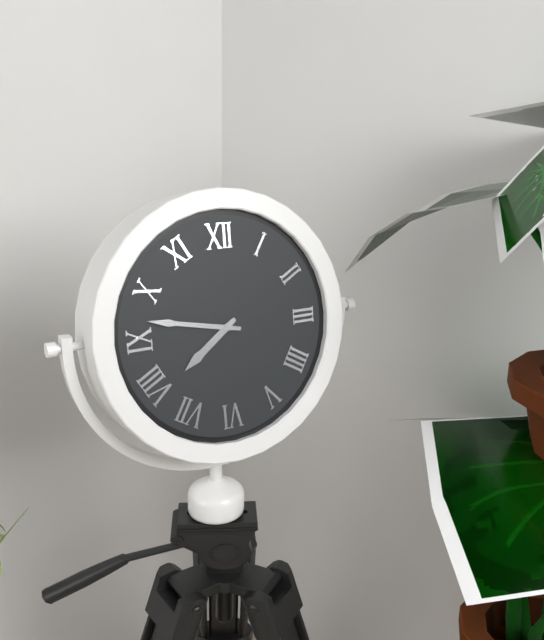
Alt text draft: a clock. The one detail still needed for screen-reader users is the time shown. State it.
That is 7:47
